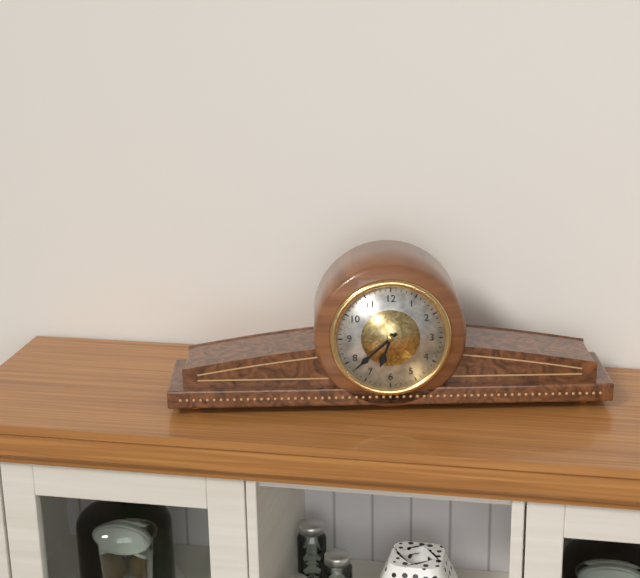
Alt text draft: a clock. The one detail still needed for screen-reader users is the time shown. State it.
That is 6:38
